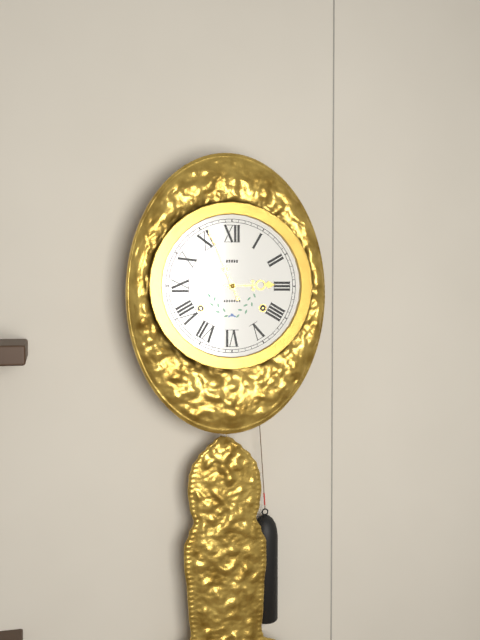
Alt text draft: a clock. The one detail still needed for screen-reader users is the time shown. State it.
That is 2:56
